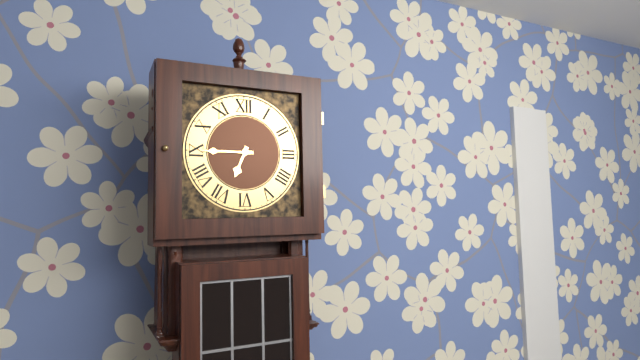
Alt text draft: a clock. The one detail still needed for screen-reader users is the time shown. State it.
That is 6:45
